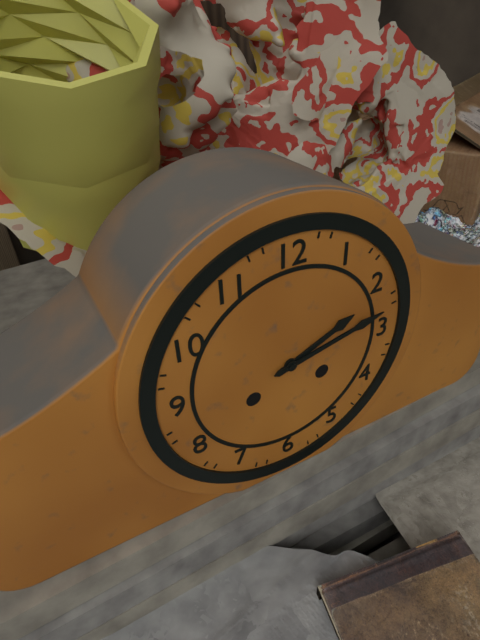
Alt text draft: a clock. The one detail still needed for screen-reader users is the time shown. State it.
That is 2:13
